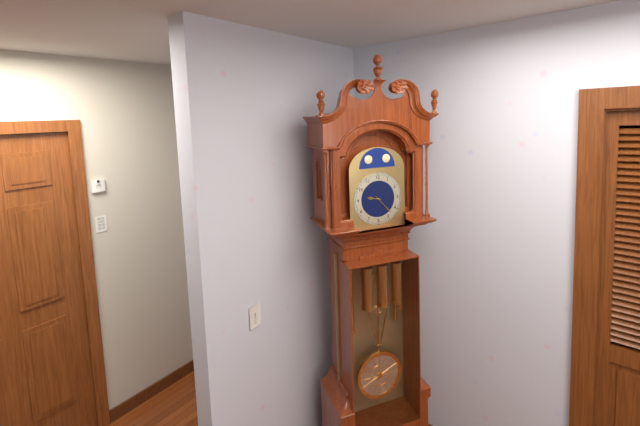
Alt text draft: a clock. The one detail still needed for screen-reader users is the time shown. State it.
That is 9:23
